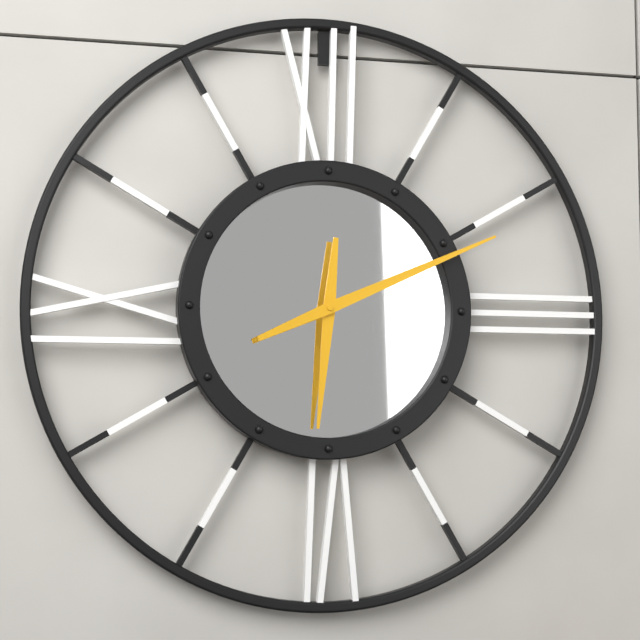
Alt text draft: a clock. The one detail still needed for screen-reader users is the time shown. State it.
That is 6:11
